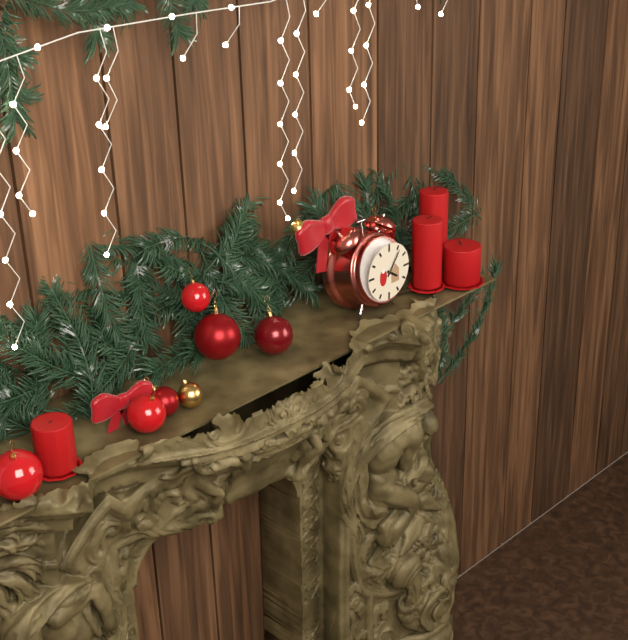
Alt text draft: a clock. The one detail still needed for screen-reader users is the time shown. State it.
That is 4:06
